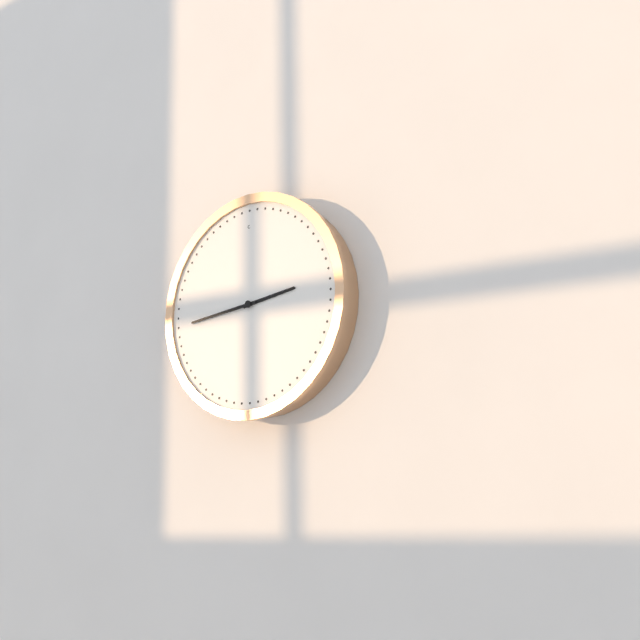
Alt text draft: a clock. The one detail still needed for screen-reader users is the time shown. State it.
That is 2:44
